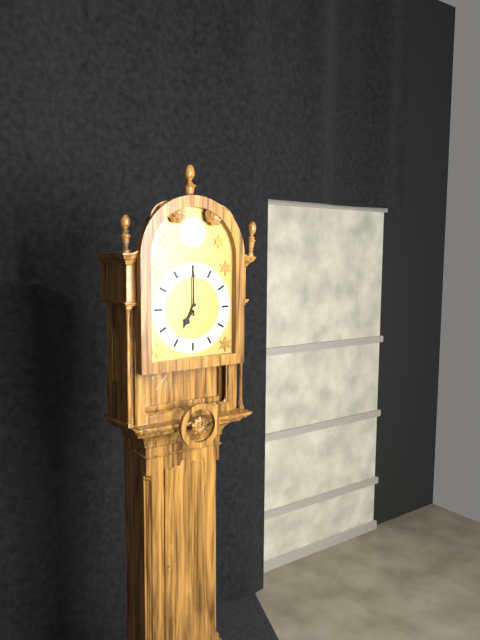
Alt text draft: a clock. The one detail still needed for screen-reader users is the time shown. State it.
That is 7:00
